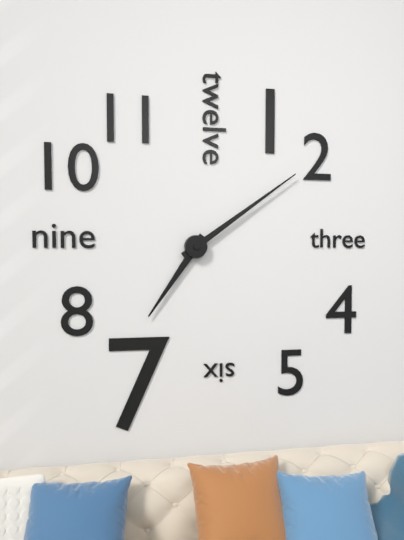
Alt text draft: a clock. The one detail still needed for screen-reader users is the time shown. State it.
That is 7:09
